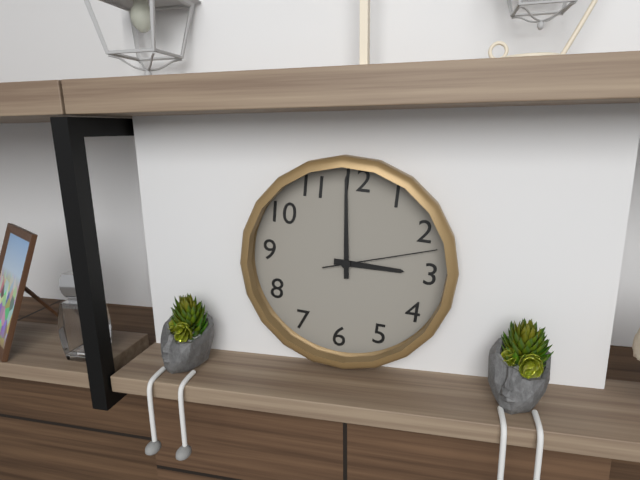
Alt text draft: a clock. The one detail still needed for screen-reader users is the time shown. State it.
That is 2:59:12
